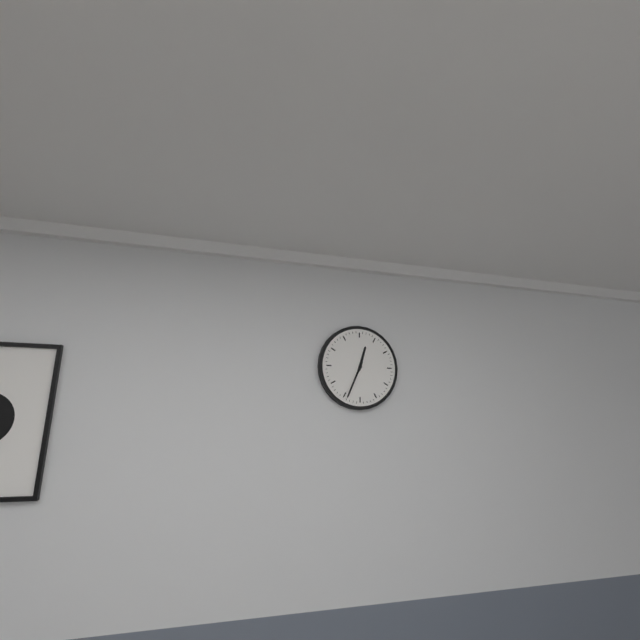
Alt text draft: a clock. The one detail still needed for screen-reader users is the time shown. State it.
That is 12:34
